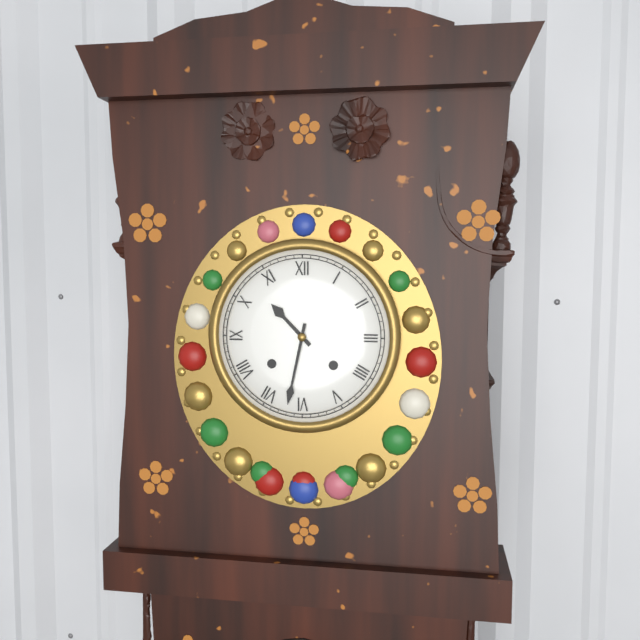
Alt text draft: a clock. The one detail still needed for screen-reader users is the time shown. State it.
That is 10:32
